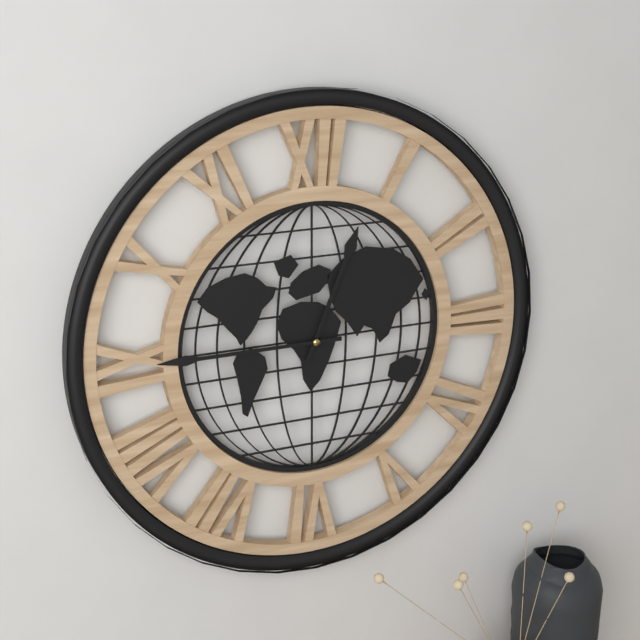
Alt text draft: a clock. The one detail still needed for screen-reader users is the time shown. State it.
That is 12:45
